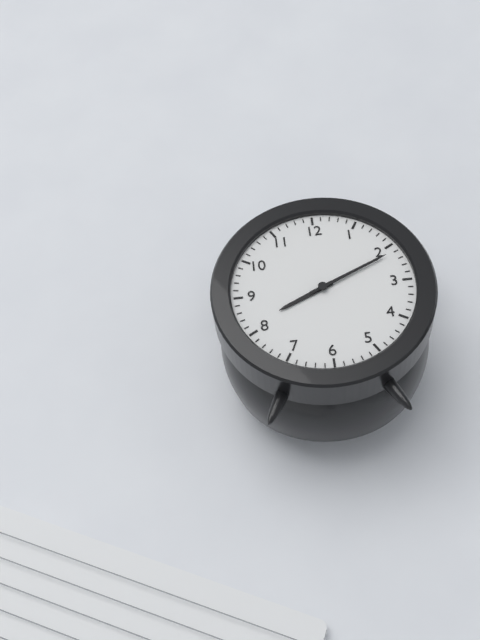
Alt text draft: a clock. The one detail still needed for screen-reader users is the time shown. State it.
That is 8:11
